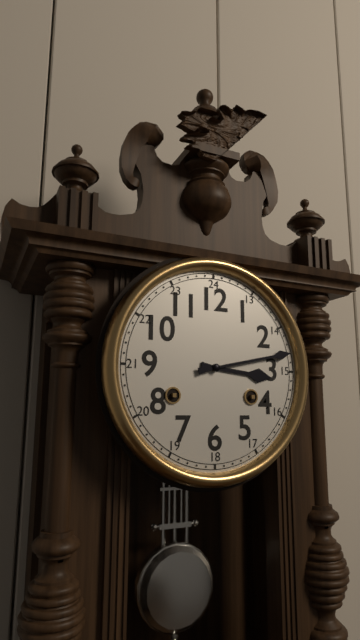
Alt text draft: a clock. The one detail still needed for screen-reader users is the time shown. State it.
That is 3:13
